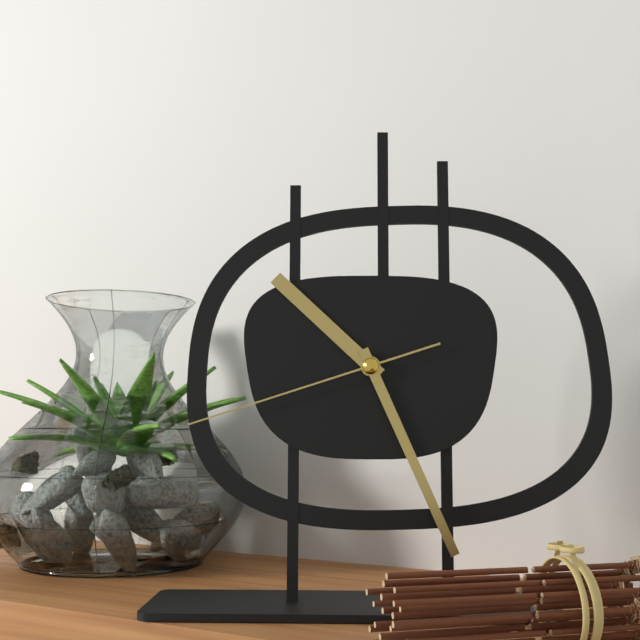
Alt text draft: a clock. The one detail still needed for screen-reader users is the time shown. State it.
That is 10:26:42
